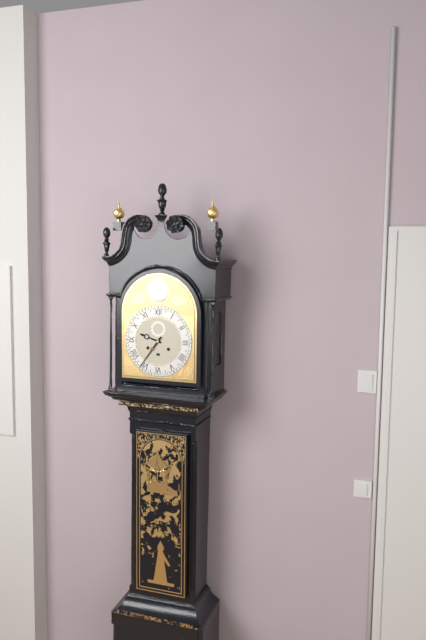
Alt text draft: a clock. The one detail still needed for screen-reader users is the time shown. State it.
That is 9:36
